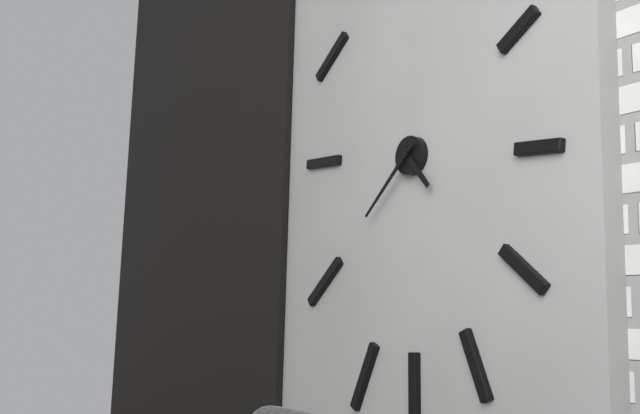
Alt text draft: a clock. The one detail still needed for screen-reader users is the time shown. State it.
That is 4:38
